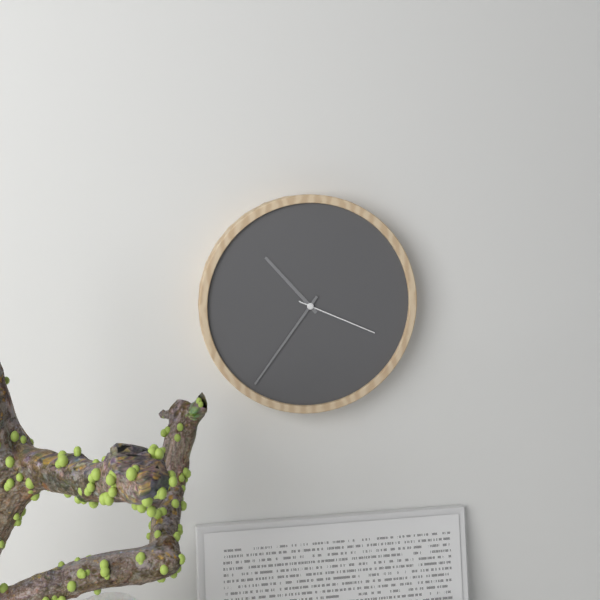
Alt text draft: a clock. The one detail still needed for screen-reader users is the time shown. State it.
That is 10:36:19
